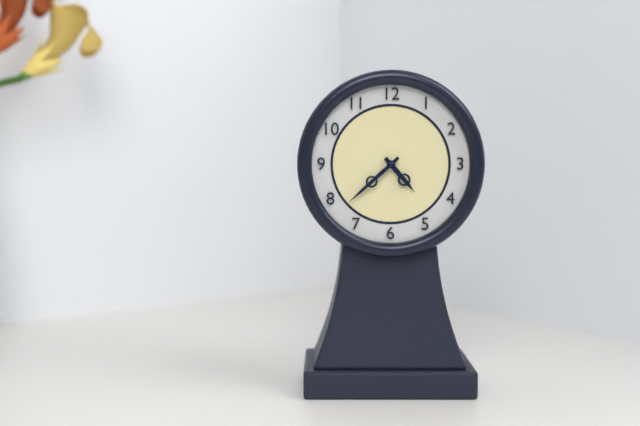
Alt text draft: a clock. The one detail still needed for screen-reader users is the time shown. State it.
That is 4:38
